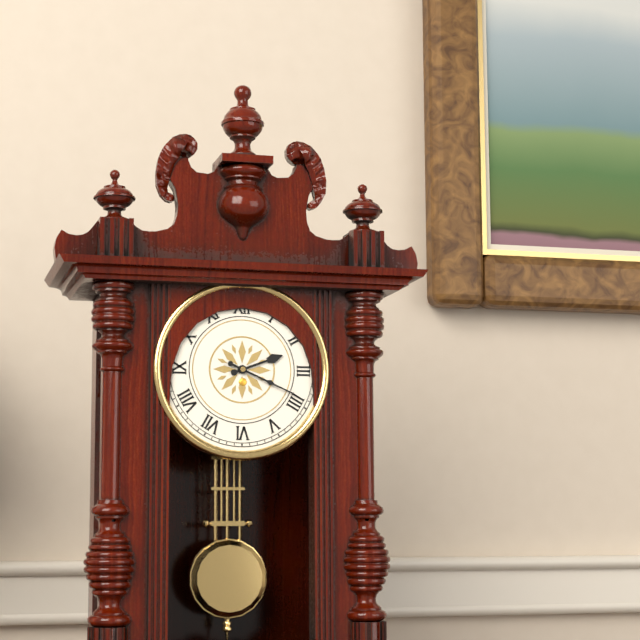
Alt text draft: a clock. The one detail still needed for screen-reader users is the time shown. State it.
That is 2:19
